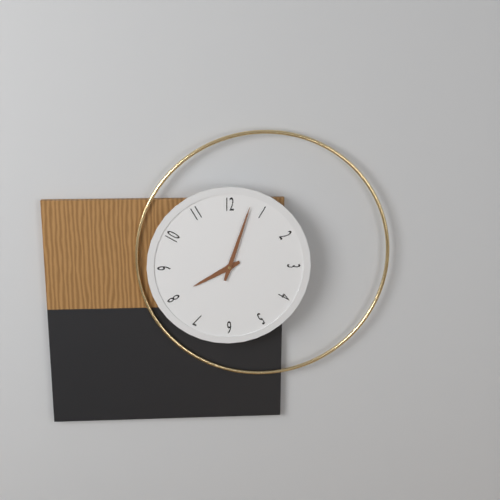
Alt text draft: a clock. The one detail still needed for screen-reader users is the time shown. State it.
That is 8:03
